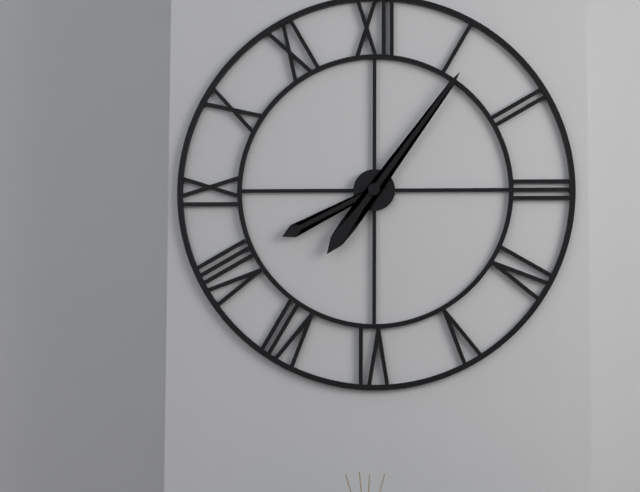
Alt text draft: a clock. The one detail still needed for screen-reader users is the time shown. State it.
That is 8:06
